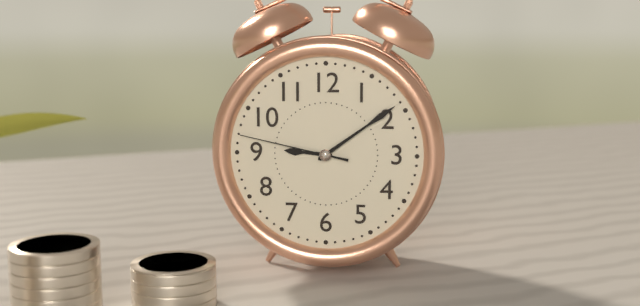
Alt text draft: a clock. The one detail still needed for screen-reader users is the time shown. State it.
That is 9:09:47
